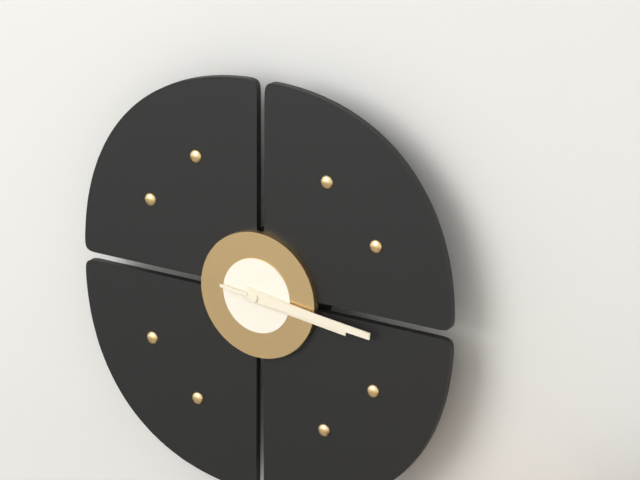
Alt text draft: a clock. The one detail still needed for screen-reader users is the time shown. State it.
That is 3:16
